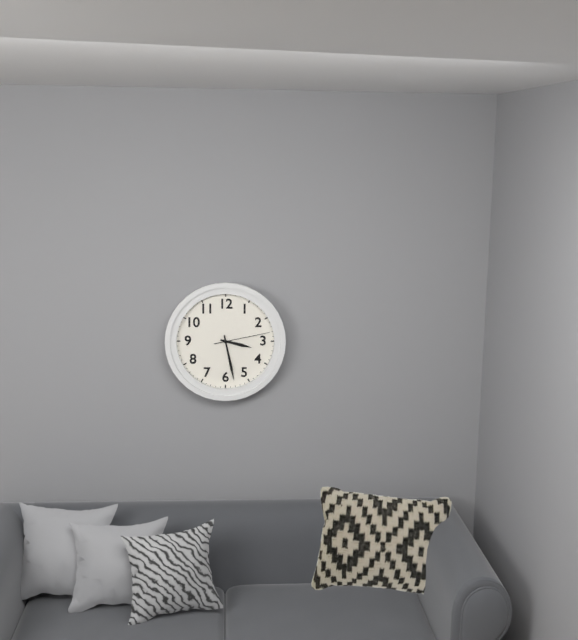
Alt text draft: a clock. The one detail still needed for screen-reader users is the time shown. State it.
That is 3:28:13
